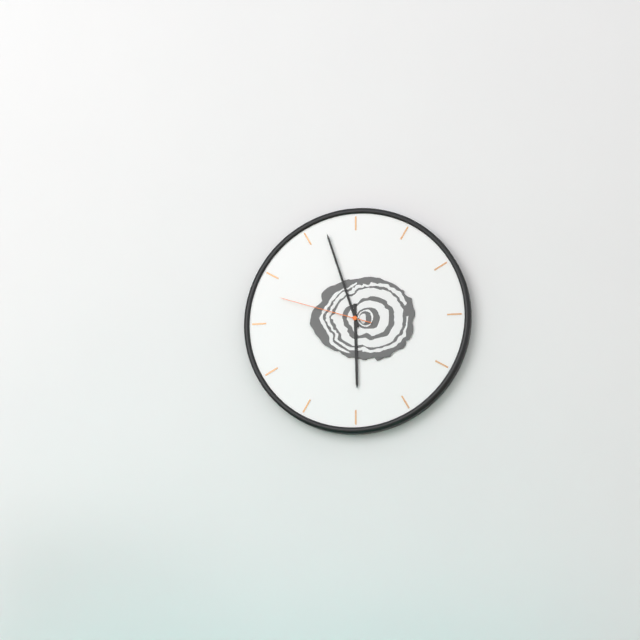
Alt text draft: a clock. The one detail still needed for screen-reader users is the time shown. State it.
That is 5:57:48
